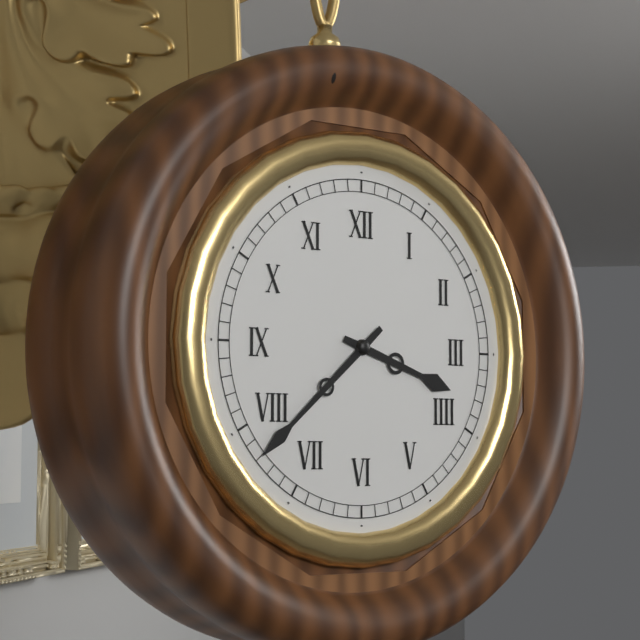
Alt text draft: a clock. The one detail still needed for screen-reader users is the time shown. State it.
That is 3:38
